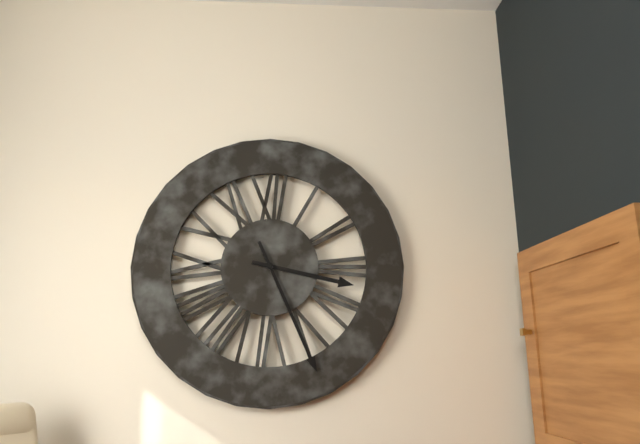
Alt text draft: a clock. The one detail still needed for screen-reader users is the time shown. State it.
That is 3:26
